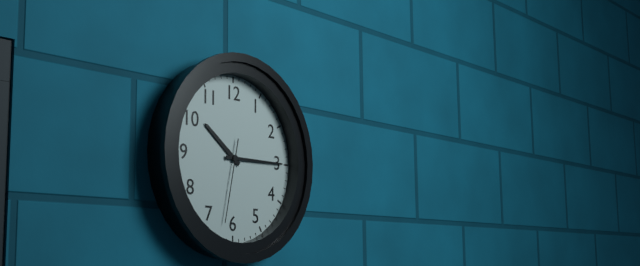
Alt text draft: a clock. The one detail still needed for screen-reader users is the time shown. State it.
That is 10:15:32
